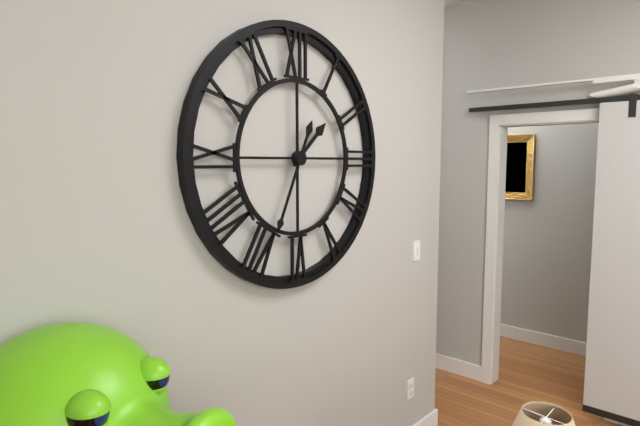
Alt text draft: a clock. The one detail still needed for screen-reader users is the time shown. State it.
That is 1:34
